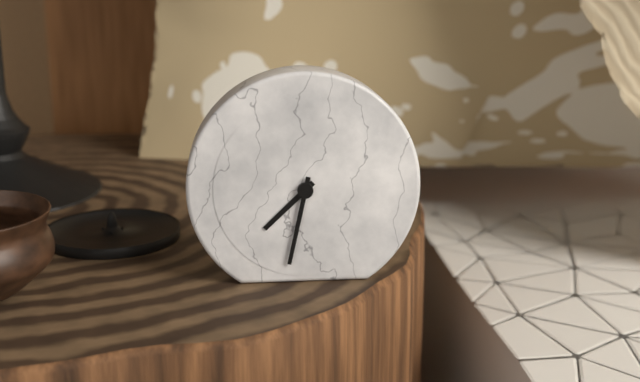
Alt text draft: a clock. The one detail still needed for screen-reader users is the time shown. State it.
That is 7:32
